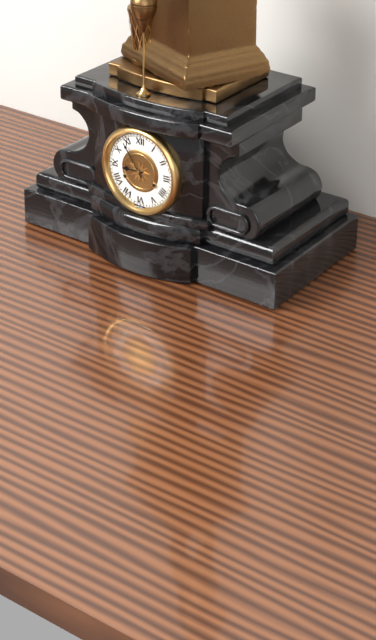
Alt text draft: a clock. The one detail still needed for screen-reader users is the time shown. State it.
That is 8:54
